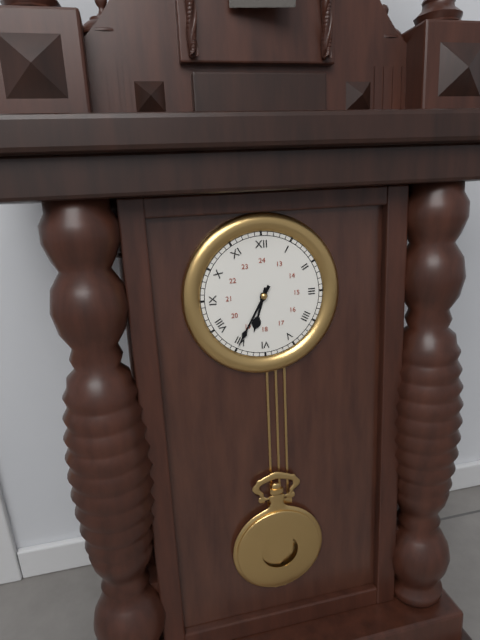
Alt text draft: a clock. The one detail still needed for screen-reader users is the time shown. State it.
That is 6:35
